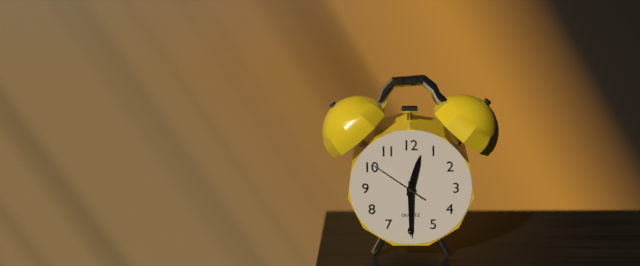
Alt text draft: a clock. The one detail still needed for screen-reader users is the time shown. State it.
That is 12:30:51
